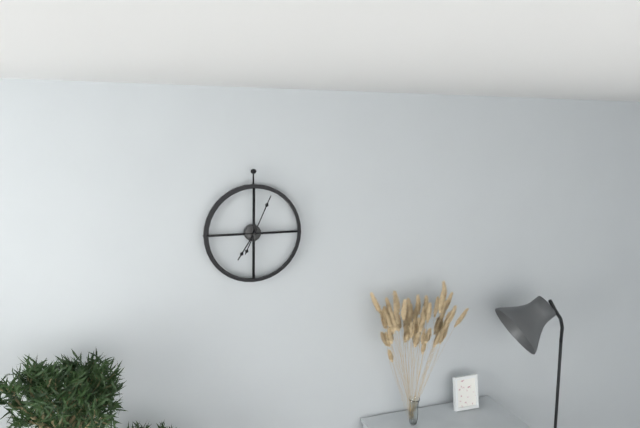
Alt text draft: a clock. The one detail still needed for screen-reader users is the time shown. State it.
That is 7:04
